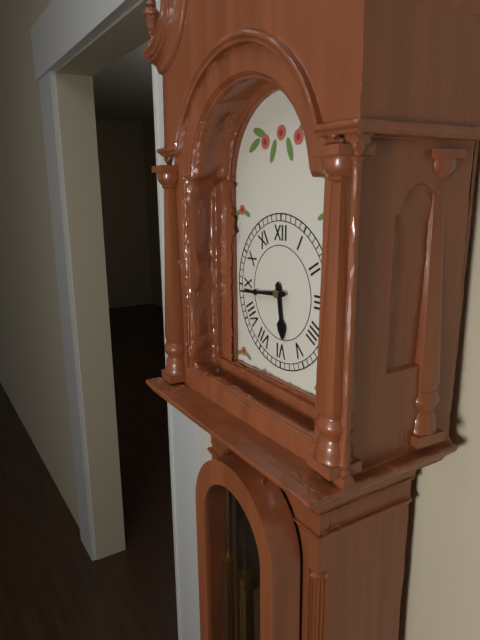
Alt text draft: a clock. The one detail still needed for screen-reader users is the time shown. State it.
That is 5:44
